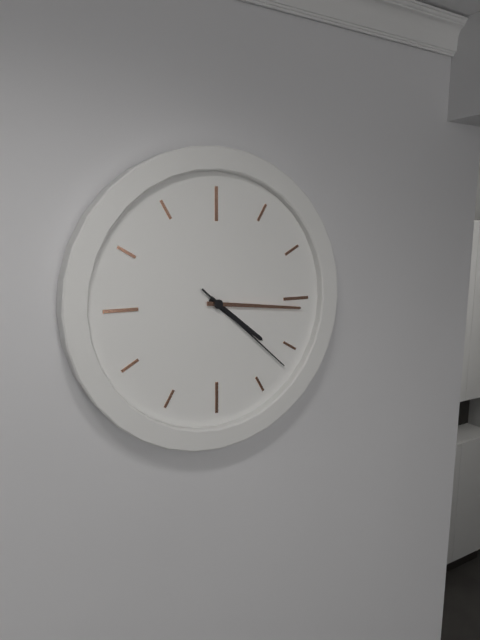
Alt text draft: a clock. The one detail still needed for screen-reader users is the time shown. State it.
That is 4:16:22
